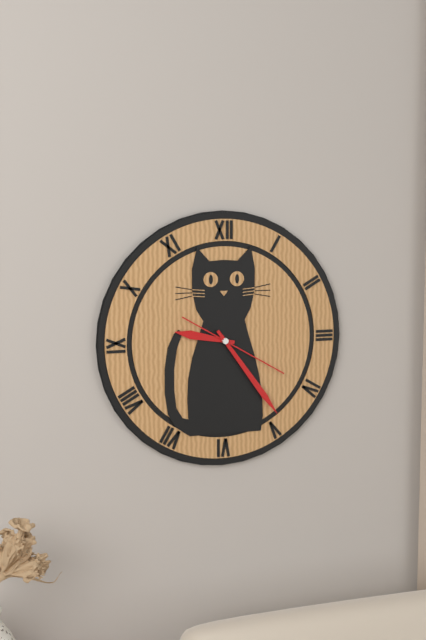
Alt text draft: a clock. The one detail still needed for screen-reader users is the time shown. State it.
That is 9:24:20
